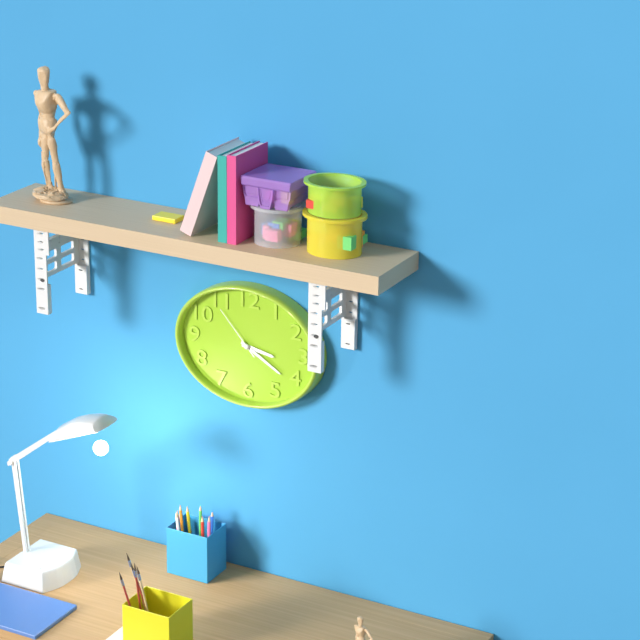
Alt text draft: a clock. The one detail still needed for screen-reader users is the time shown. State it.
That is 3:20:53
